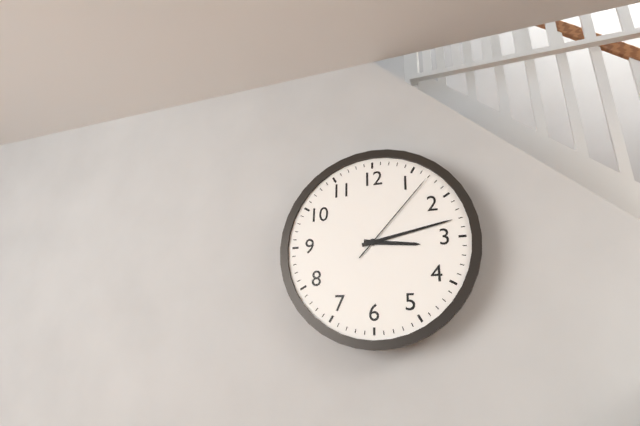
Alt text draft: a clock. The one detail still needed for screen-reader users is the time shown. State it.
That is 3:13:07
